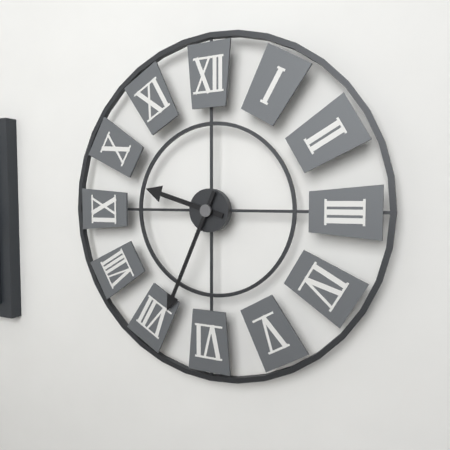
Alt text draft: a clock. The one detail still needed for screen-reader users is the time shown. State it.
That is 9:34
